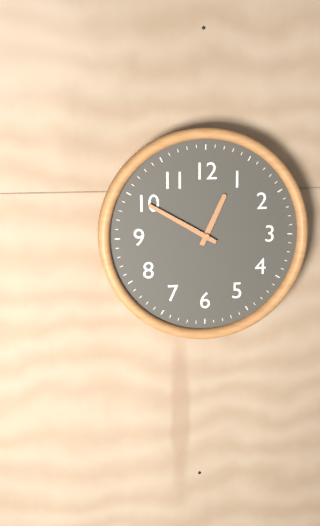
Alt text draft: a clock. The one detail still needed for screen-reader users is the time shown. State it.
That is 12:50
